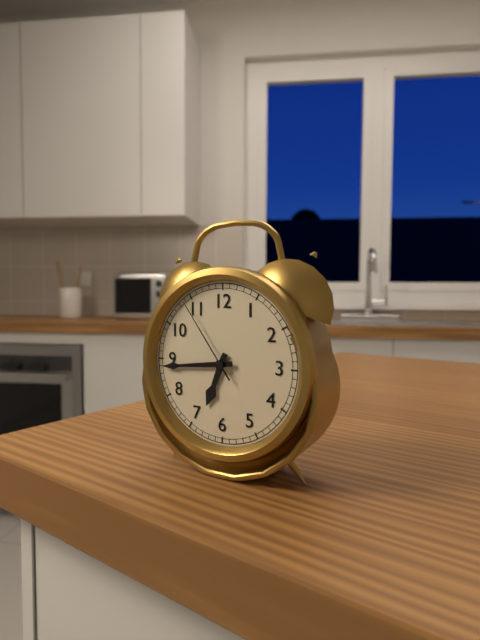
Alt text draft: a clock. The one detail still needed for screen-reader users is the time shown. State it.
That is 6:44:54
